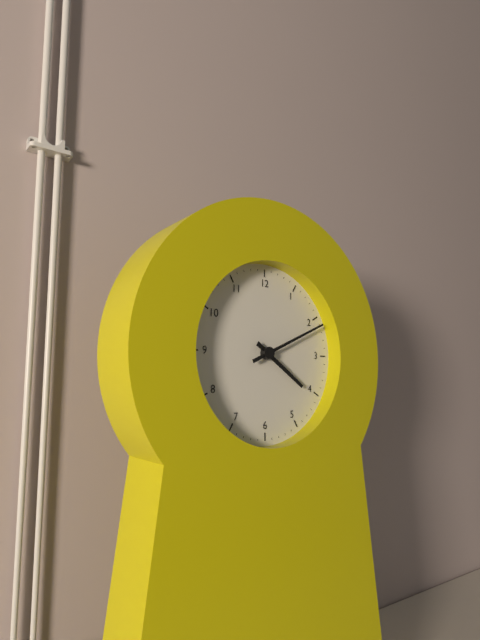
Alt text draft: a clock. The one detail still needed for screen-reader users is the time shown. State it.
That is 4:11
